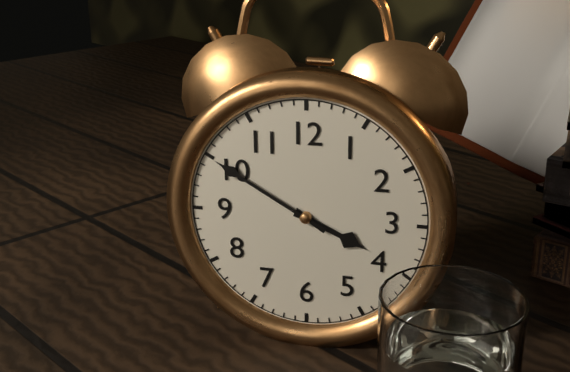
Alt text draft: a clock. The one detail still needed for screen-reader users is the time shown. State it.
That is 3:50
